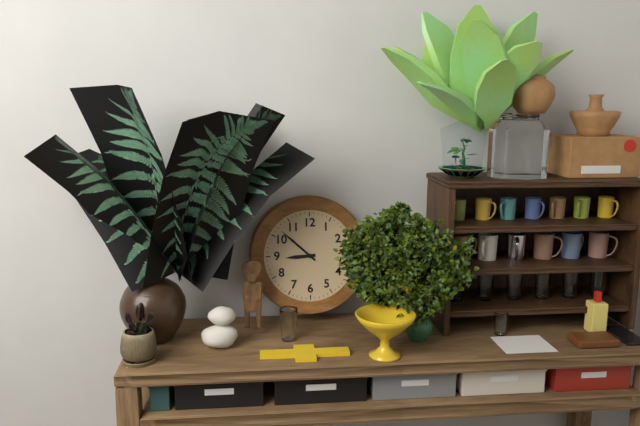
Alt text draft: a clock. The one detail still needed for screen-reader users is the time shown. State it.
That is 8:52
